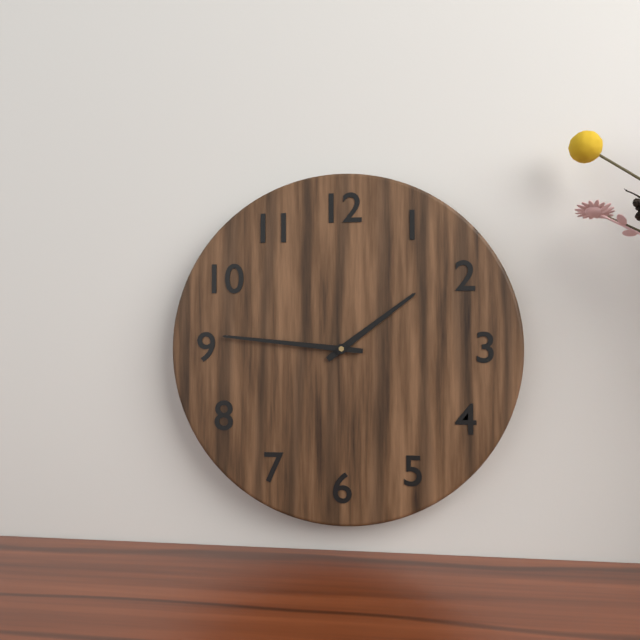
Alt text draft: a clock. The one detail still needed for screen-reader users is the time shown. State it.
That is 1:46
